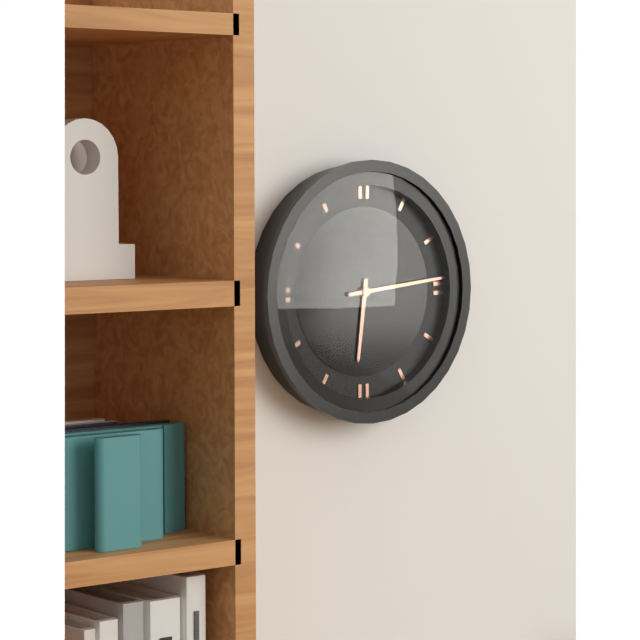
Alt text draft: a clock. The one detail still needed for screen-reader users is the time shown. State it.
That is 6:14
